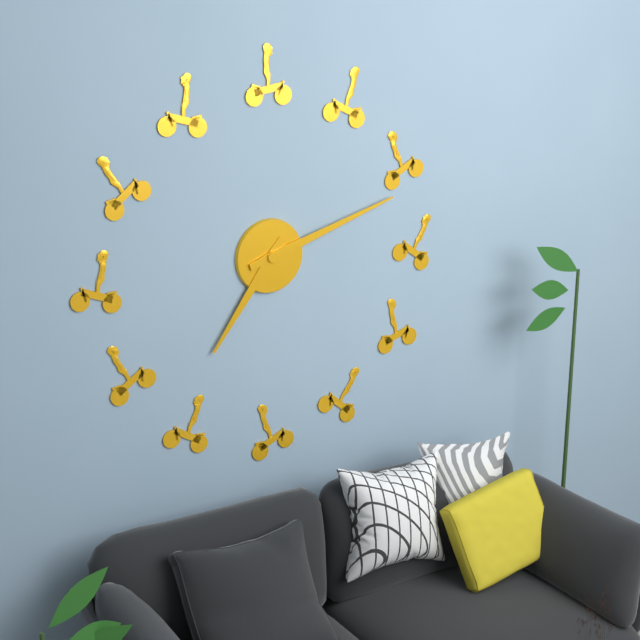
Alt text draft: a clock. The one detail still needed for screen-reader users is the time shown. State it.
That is 7:12
